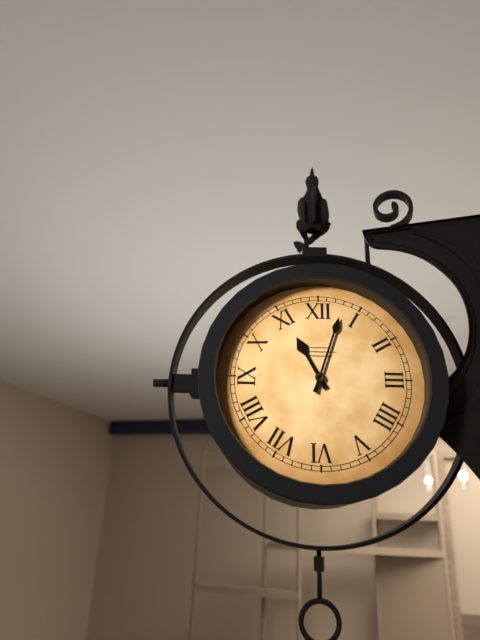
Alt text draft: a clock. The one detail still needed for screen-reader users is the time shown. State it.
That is 11:03
